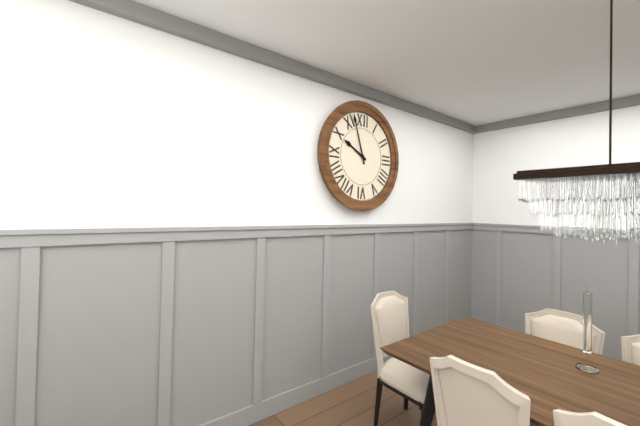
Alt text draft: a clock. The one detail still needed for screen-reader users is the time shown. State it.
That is 9:57
